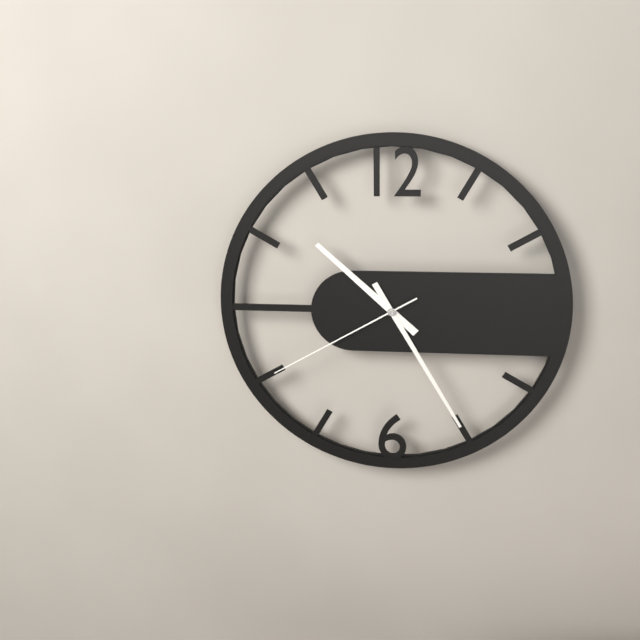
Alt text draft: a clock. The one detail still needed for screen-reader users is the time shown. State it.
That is 10:25:40
